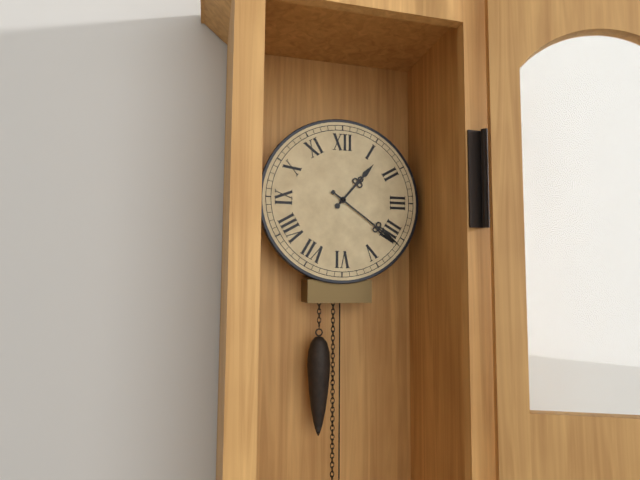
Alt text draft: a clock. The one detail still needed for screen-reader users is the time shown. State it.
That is 1:21
